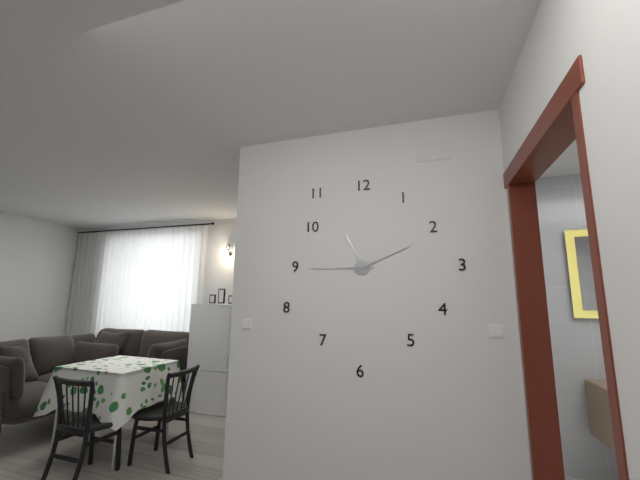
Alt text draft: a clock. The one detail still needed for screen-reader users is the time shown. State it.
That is 11:11:45
